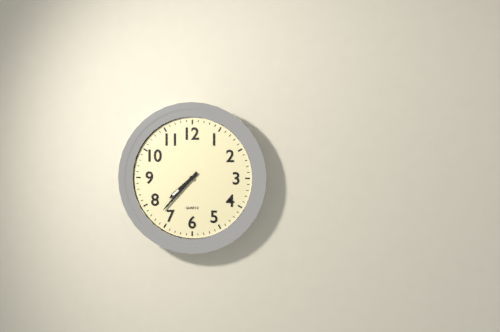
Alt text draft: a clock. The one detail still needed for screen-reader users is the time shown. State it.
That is 7:37
